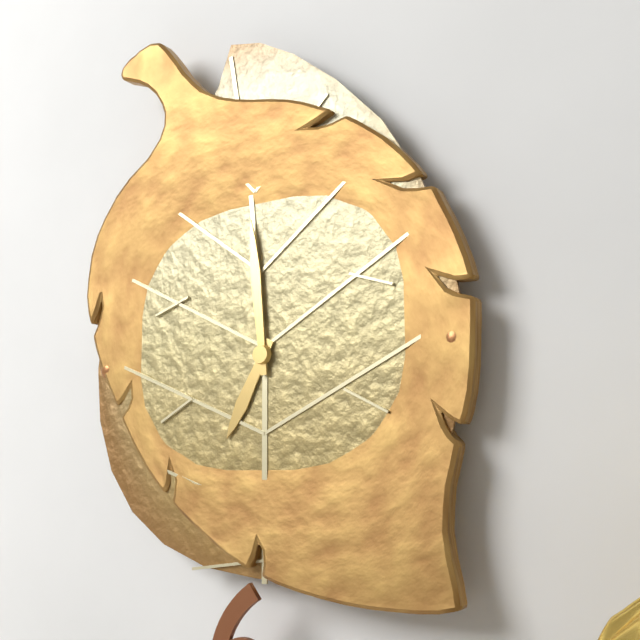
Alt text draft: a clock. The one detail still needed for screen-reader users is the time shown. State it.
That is 6:59
